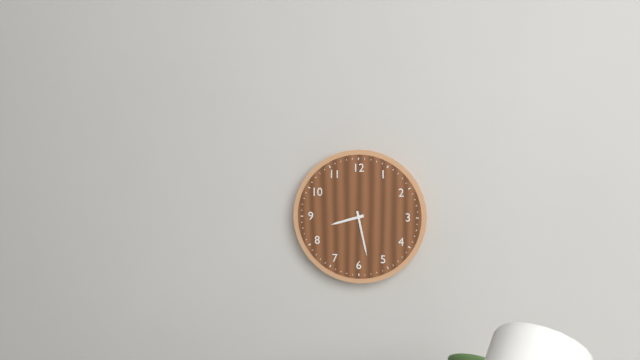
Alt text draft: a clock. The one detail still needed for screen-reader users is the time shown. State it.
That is 8:28
